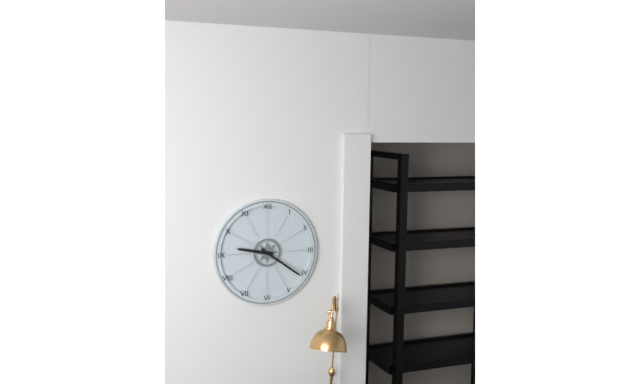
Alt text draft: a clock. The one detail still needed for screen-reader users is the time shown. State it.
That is 9:21
